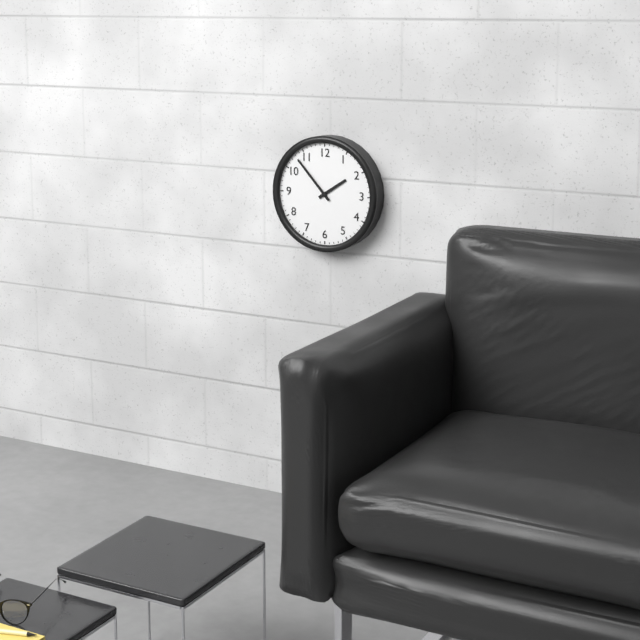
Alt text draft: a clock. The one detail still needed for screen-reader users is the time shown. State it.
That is 1:53
